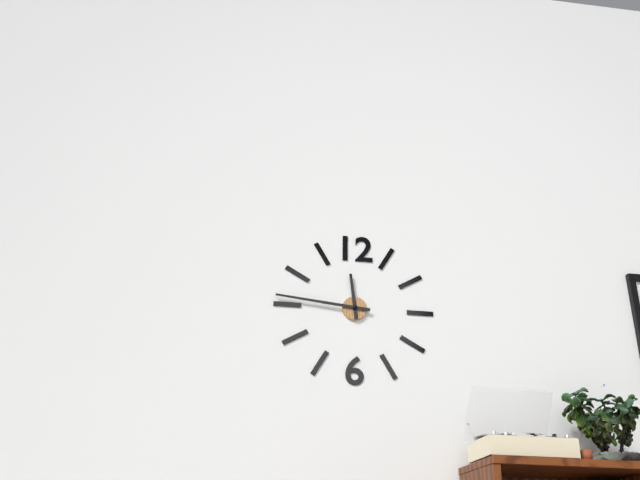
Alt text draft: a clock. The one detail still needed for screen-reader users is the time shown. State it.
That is 11:46
